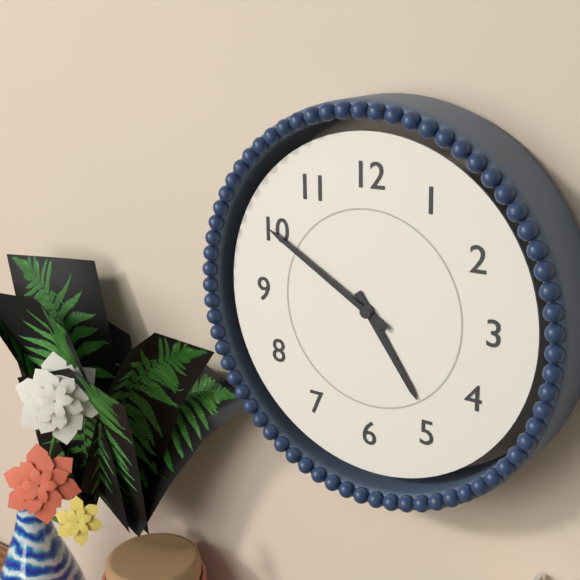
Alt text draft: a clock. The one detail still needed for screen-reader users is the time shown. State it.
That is 4:50
